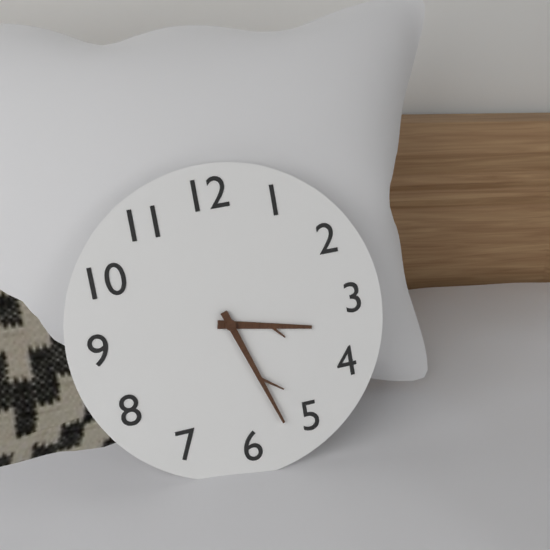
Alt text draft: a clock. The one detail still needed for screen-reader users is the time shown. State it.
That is 3:27
